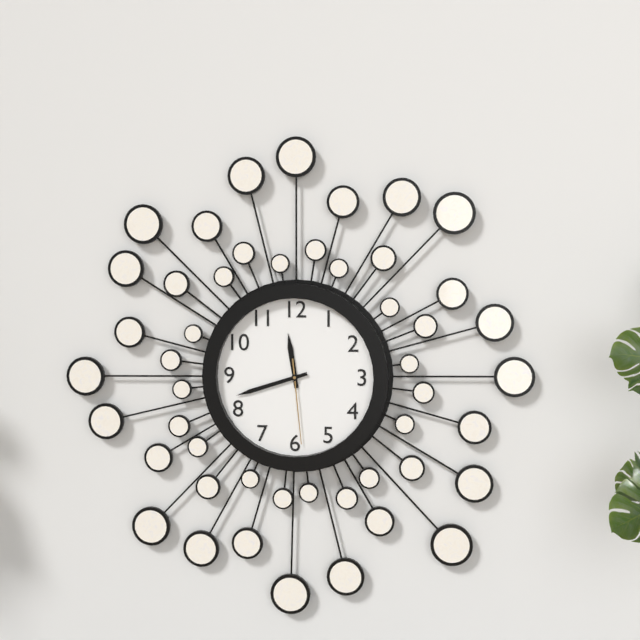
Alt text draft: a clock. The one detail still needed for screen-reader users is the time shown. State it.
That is 11:42:29
